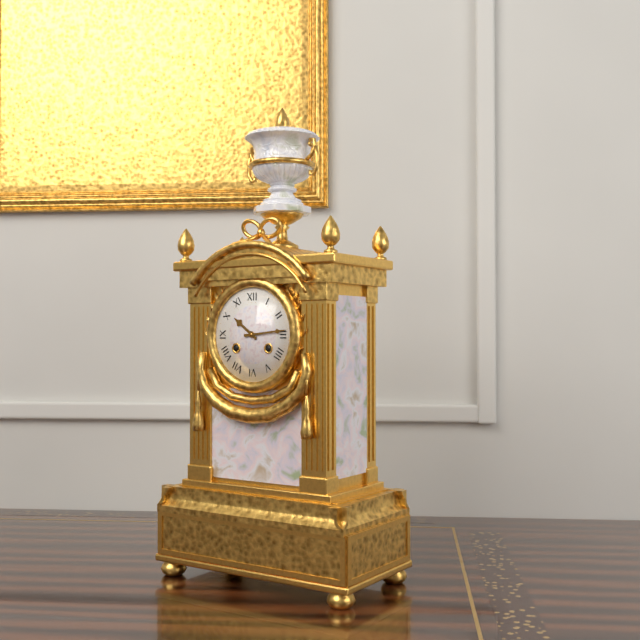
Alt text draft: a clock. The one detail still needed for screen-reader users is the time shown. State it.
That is 10:14
